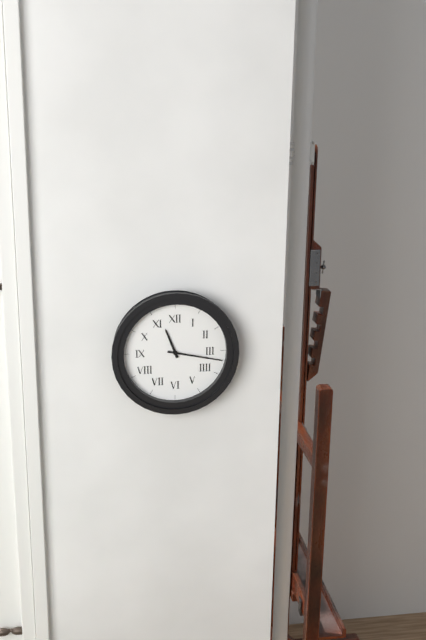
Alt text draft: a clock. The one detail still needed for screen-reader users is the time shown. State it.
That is 11:17
